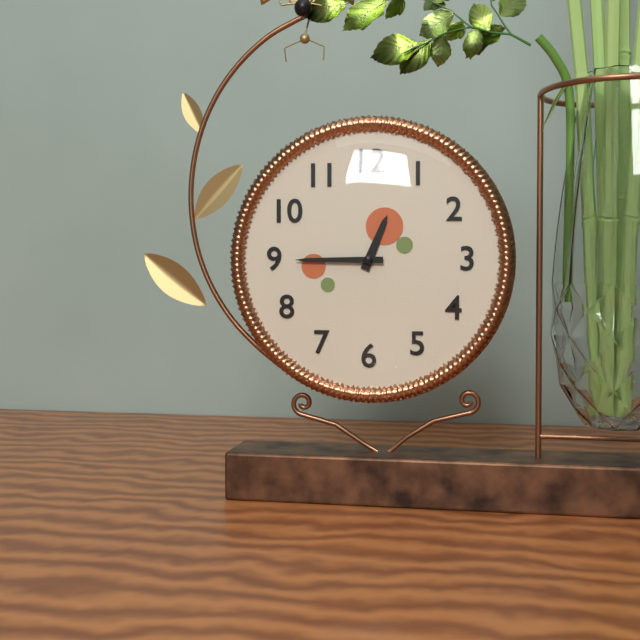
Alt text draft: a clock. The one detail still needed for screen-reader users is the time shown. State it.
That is 12:45
